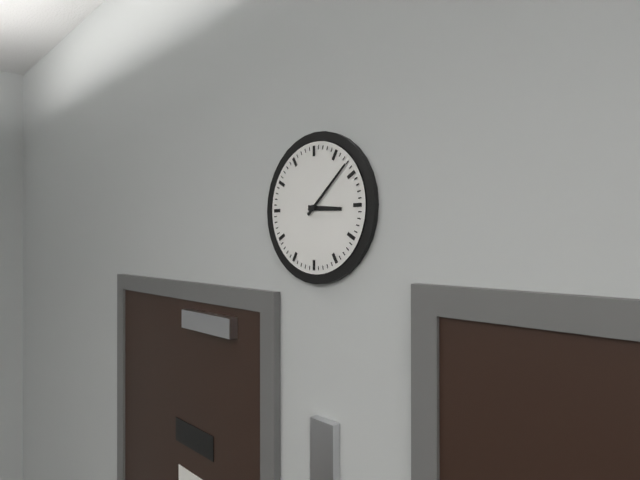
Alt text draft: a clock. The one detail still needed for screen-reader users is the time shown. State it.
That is 3:08
